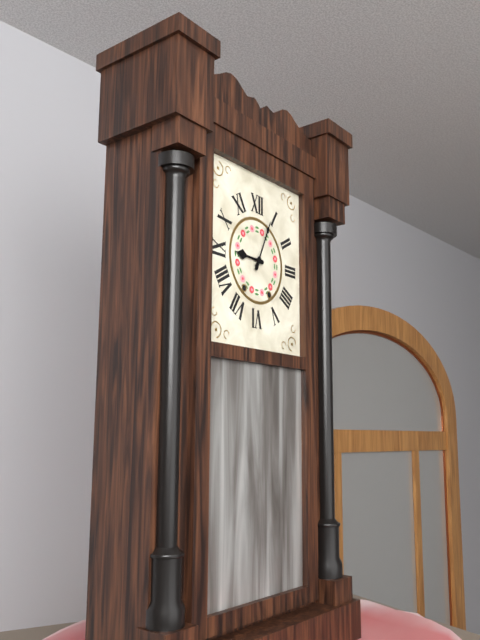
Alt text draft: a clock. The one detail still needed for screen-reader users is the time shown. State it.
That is 9:04
